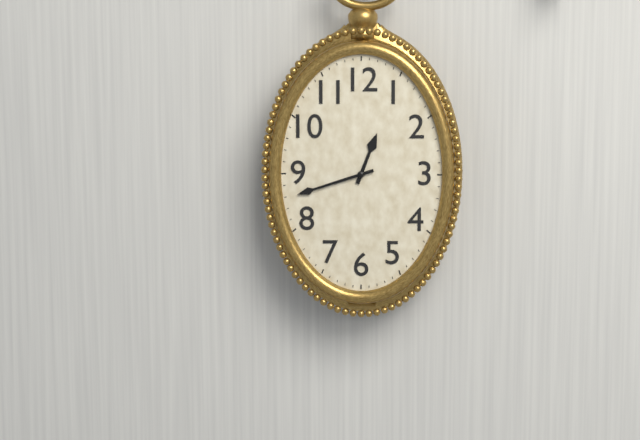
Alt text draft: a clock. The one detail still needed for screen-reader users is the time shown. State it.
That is 12:42
